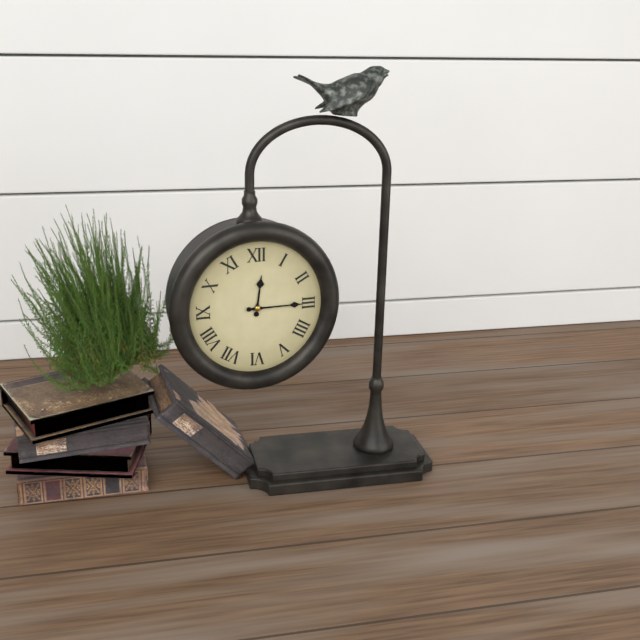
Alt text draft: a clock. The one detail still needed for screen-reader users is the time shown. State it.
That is 12:15
